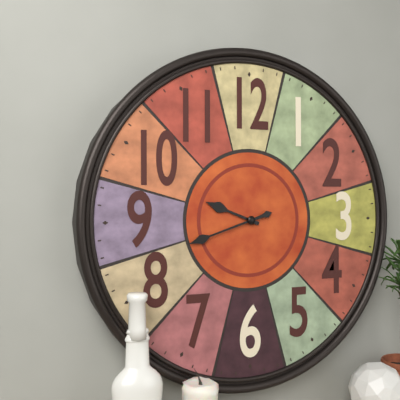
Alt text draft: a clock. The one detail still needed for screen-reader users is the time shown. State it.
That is 9:42
